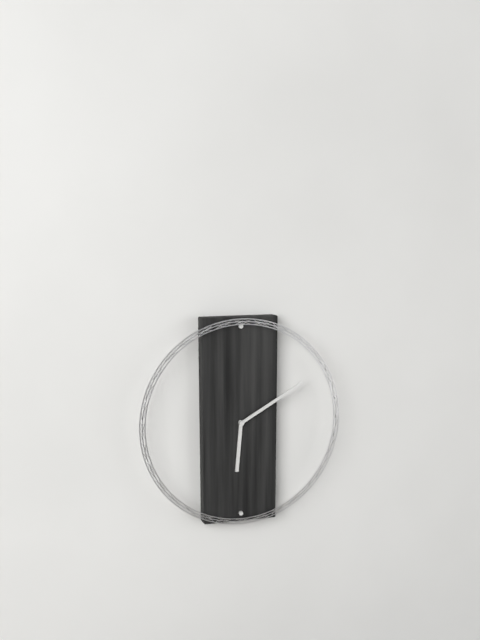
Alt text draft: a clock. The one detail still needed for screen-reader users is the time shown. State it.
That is 6:10
